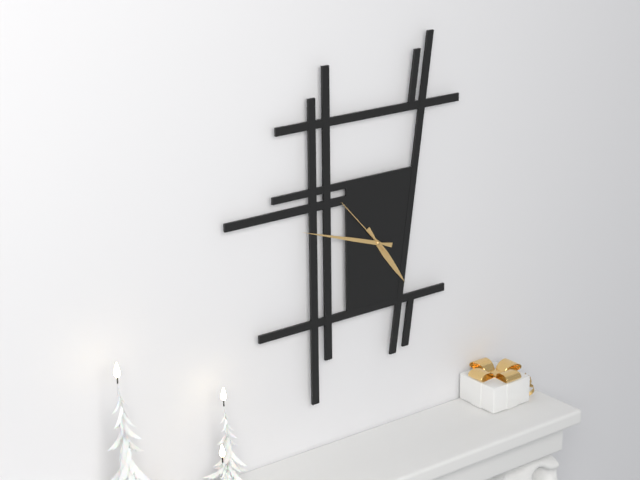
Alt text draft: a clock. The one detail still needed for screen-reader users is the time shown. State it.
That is 4:48:53
